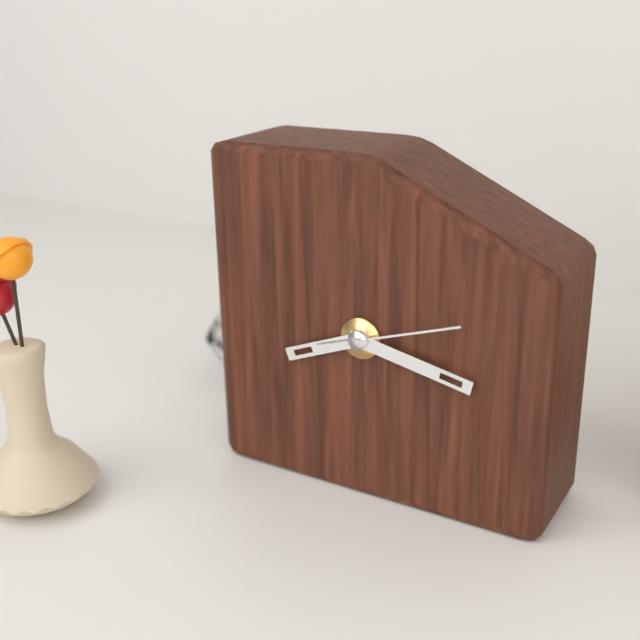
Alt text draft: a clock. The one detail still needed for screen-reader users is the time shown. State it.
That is 8:17:12
